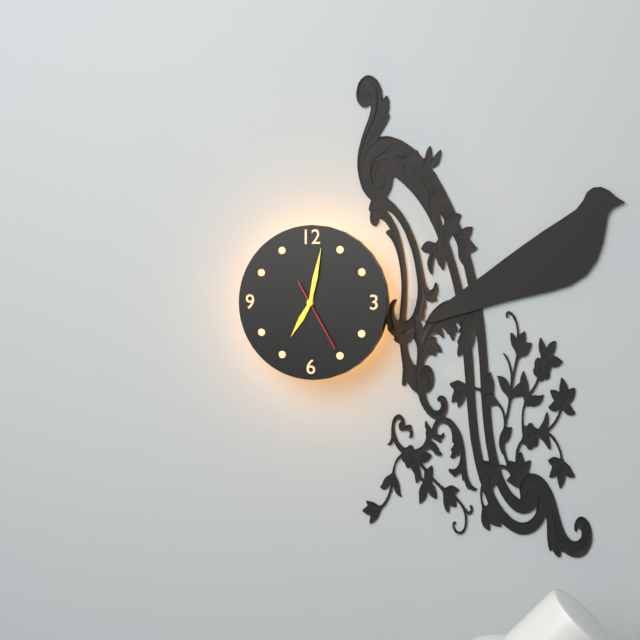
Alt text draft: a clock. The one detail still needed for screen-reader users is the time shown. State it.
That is 7:02:25
